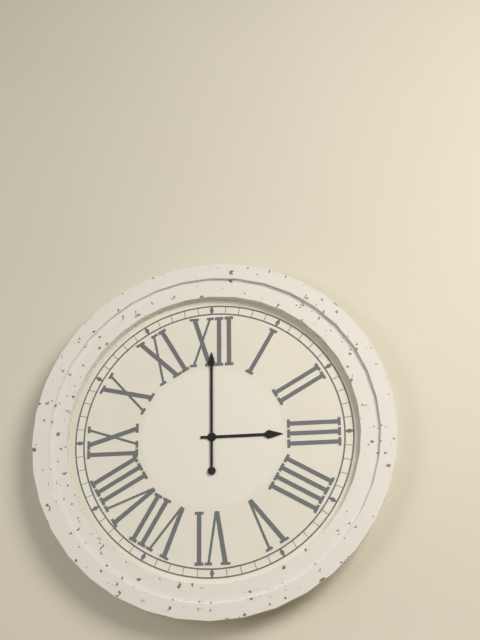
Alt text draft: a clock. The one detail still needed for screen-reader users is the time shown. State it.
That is 3:00
